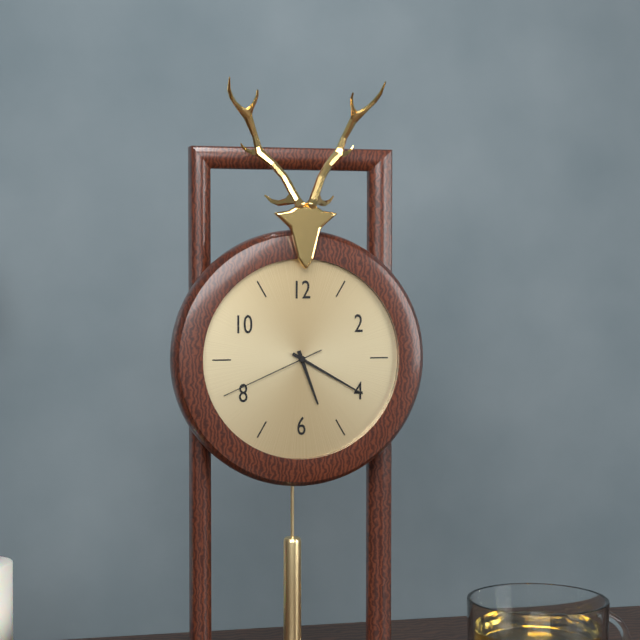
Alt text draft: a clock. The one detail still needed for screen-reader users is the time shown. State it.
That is 5:20:41
